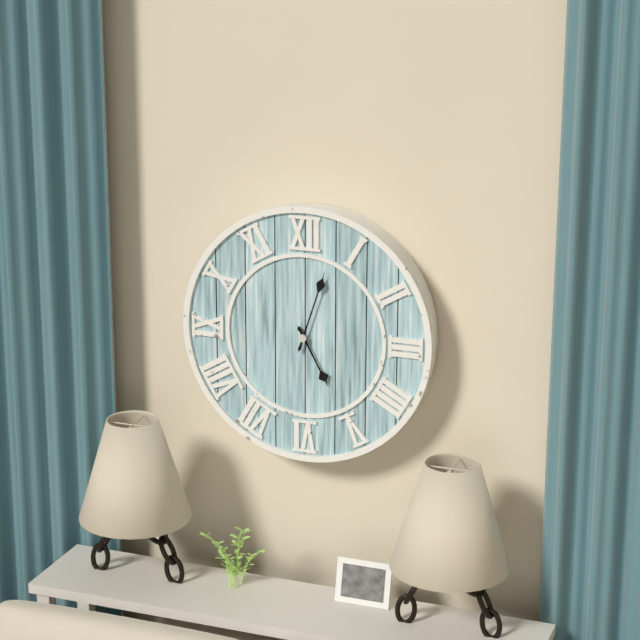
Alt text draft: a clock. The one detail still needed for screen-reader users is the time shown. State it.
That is 5:03
